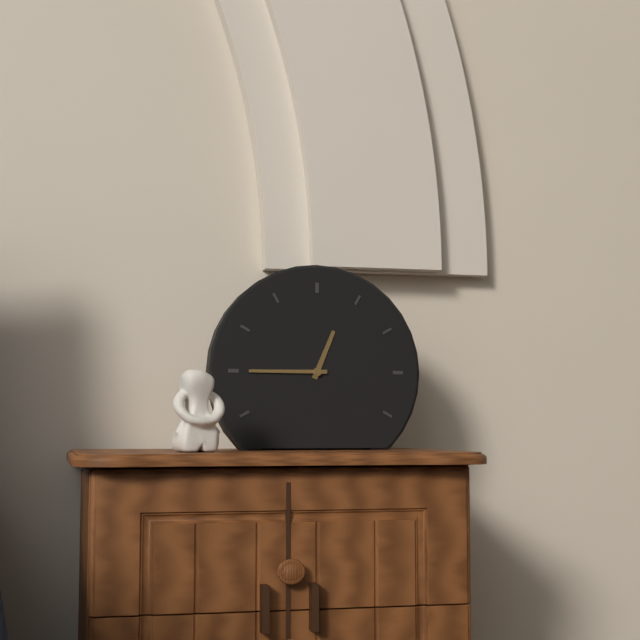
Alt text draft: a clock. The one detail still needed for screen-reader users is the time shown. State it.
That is 12:45
